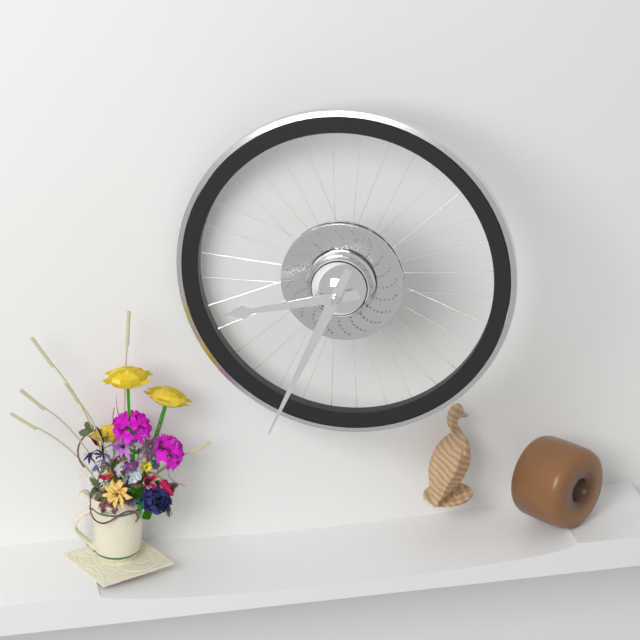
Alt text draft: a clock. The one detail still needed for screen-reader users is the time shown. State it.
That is 8:34
